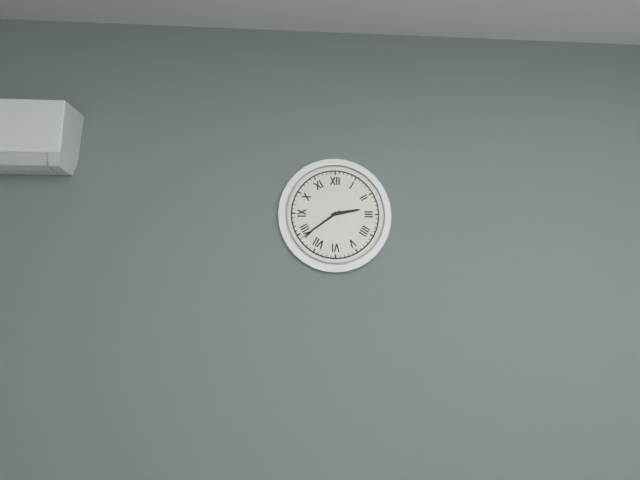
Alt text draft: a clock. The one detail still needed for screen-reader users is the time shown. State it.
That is 2:39
